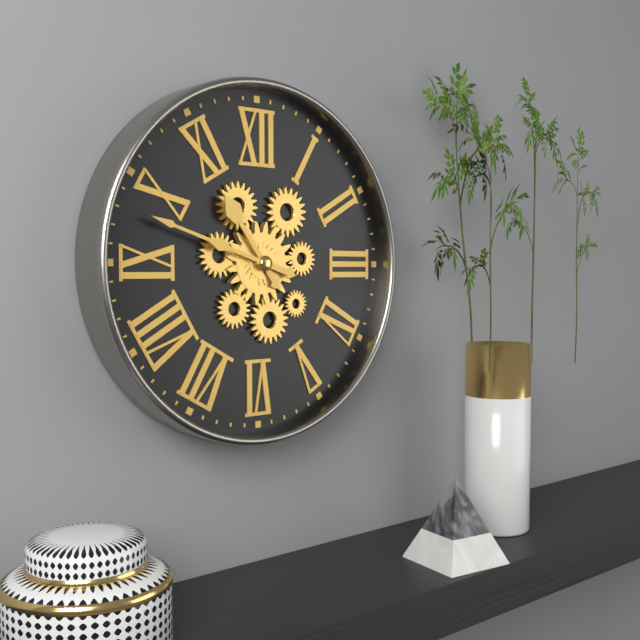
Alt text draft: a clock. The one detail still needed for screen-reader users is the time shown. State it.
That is 10:48
